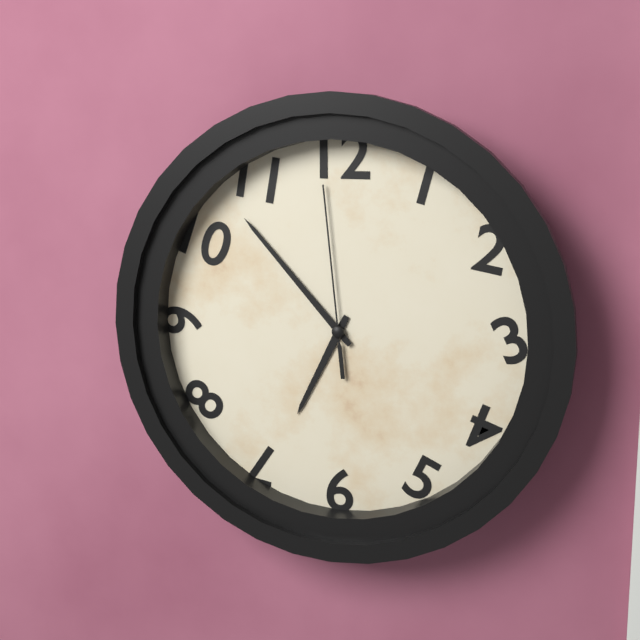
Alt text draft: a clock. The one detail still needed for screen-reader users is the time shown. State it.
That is 6:53:59
